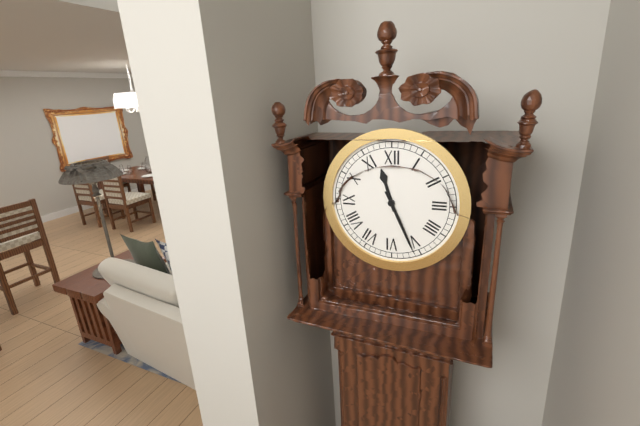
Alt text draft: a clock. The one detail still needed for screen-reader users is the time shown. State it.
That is 11:26
